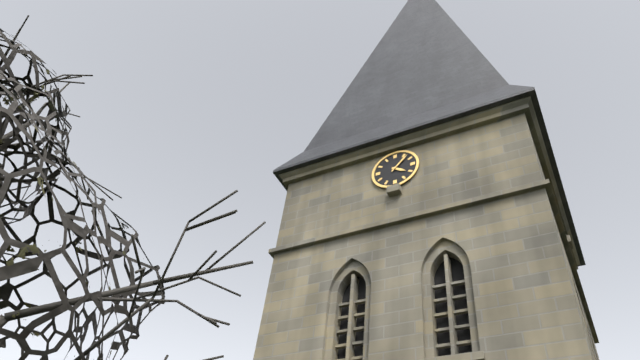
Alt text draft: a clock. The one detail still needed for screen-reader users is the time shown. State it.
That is 4:07
